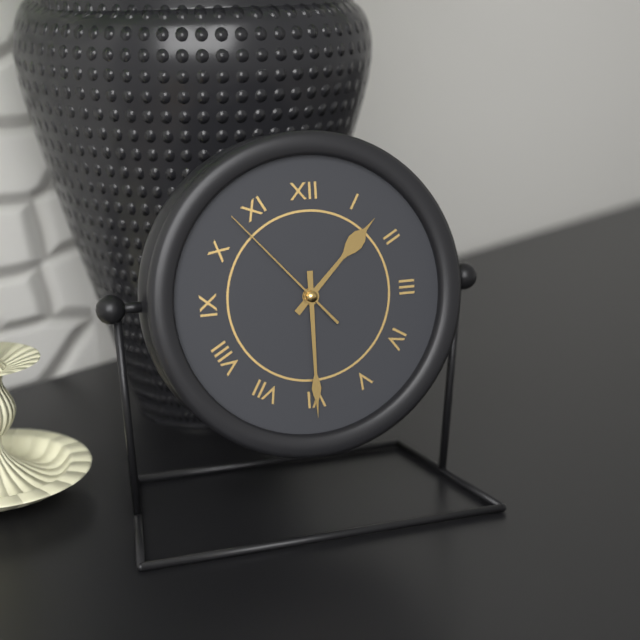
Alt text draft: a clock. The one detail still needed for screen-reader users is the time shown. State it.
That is 1:30:53
